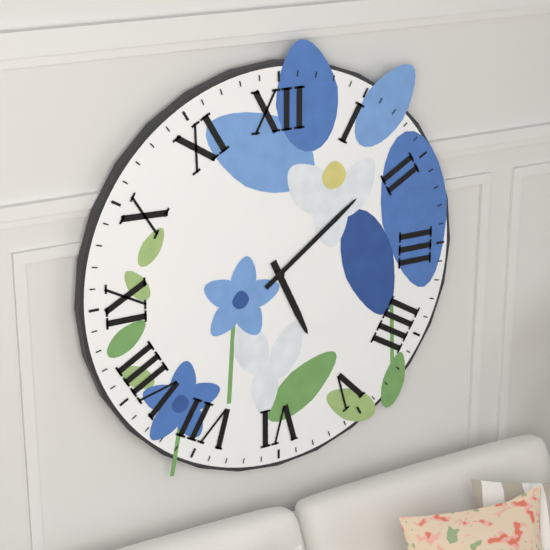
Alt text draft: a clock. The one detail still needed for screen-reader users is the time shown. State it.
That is 5:09
